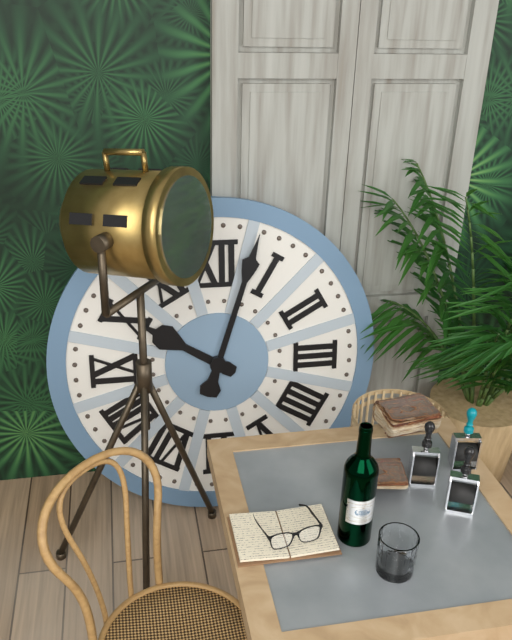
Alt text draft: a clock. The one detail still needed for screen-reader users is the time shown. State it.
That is 10:03
